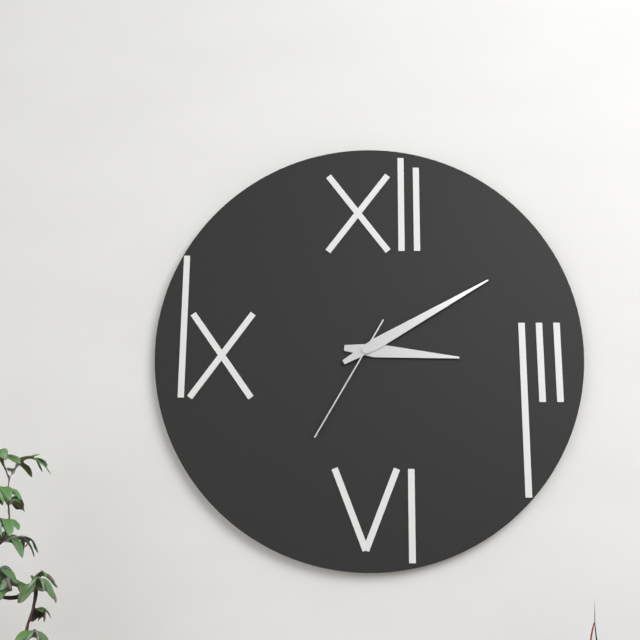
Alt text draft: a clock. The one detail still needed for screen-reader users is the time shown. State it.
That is 3:10:35
